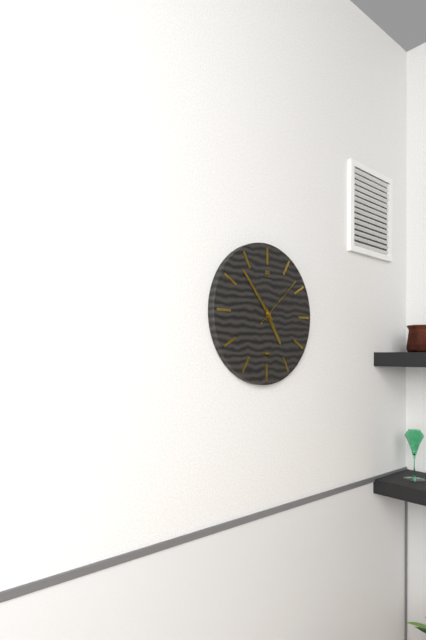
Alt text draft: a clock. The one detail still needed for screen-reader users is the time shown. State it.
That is 4:53:08
